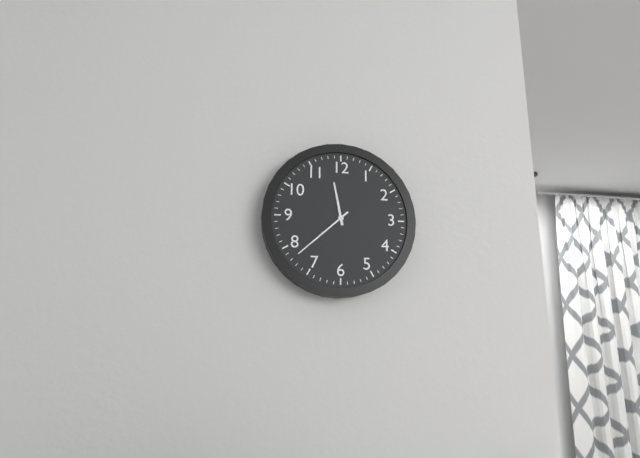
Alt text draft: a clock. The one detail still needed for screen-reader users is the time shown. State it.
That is 11:38
